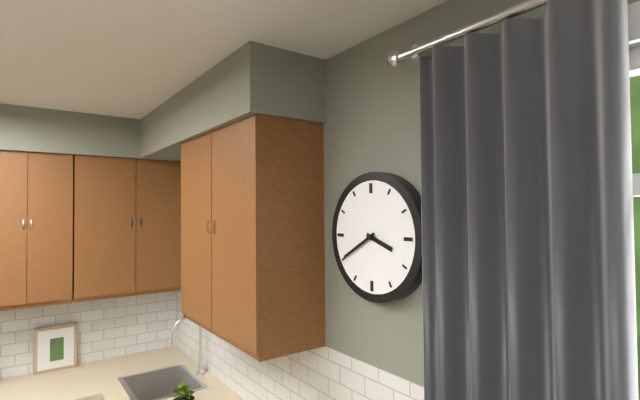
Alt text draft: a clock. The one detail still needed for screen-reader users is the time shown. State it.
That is 3:40
